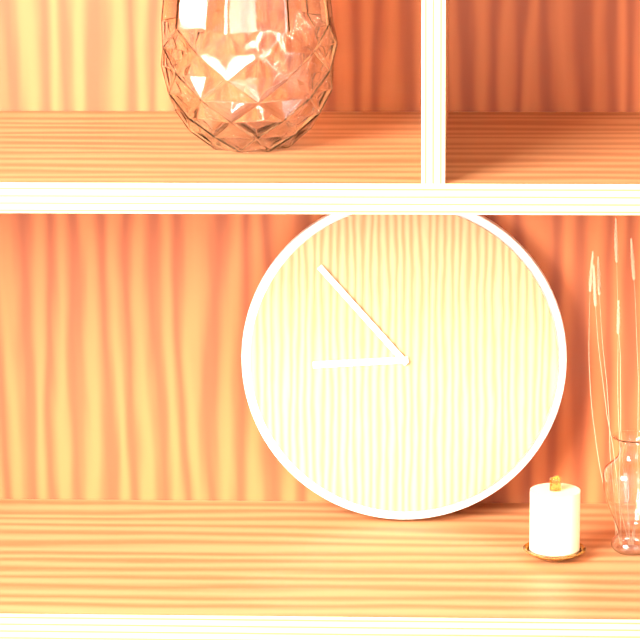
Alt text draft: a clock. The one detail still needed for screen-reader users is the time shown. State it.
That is 8:53
